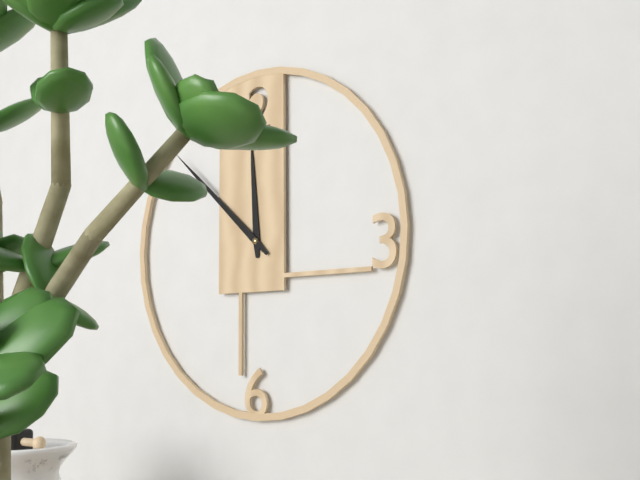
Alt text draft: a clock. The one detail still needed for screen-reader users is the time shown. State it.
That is 11:52
